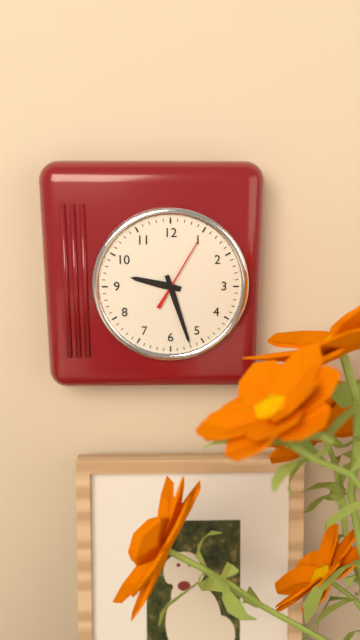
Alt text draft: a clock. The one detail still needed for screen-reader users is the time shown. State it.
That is 9:27:05
